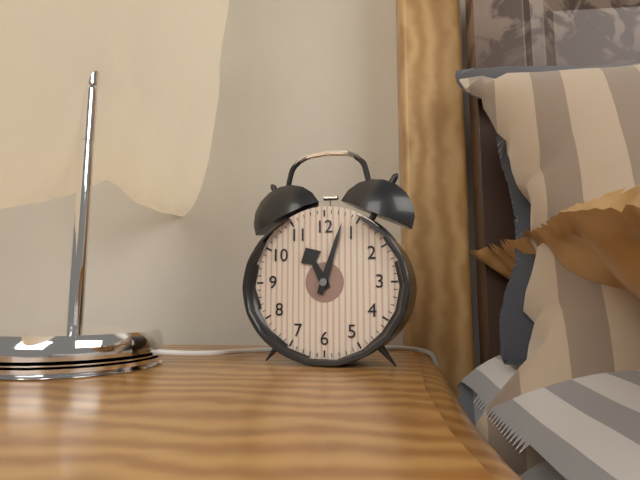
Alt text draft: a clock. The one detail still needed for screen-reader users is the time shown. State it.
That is 11:03
